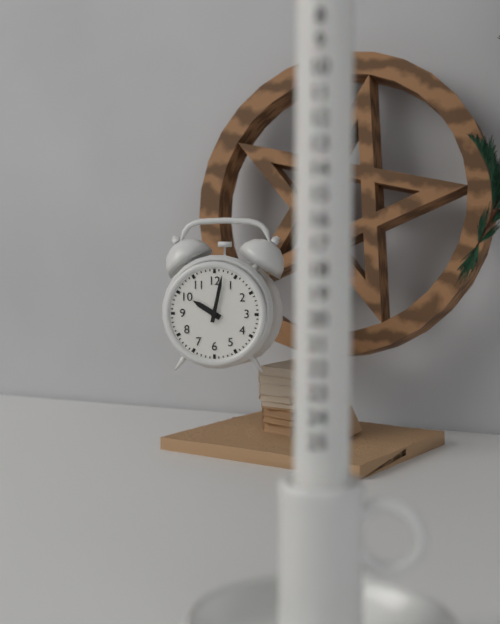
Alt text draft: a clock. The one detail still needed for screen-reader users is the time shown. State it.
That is 10:02
